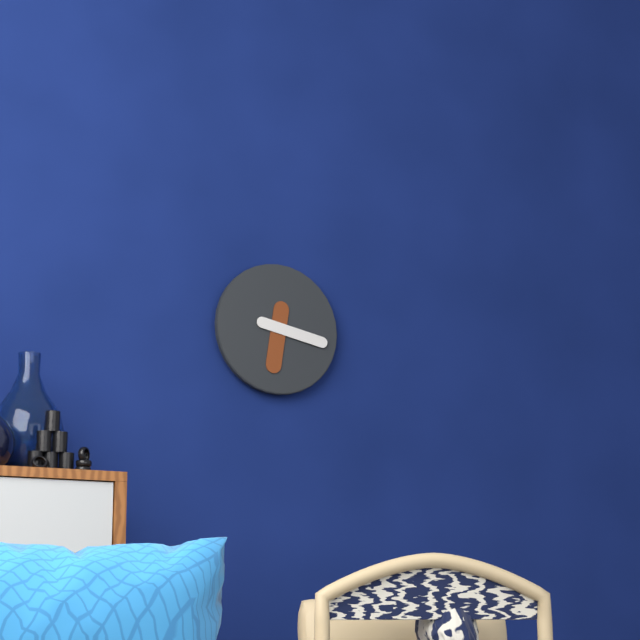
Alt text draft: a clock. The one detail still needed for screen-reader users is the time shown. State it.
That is 6:17
